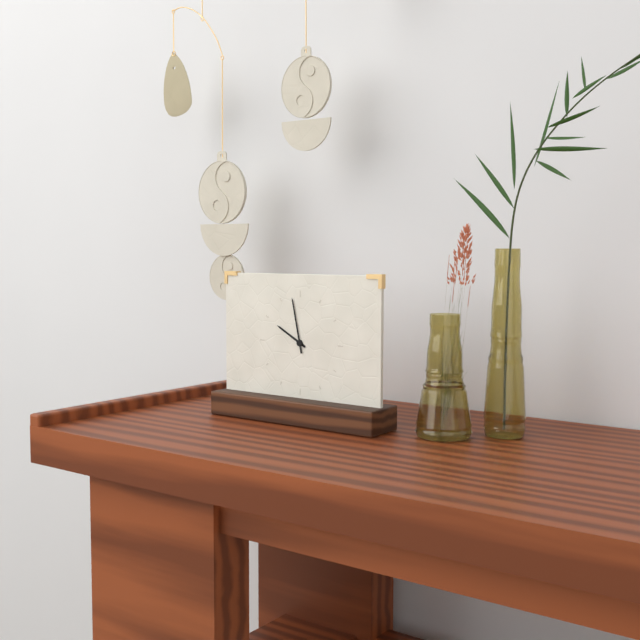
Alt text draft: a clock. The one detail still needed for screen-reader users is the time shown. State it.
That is 9:58
